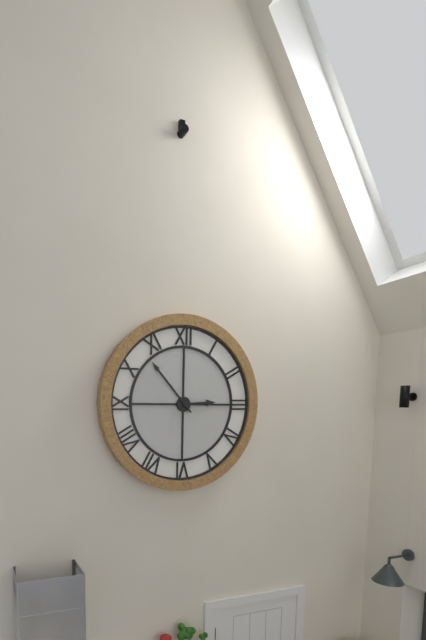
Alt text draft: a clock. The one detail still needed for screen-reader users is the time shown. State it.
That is 2:53
